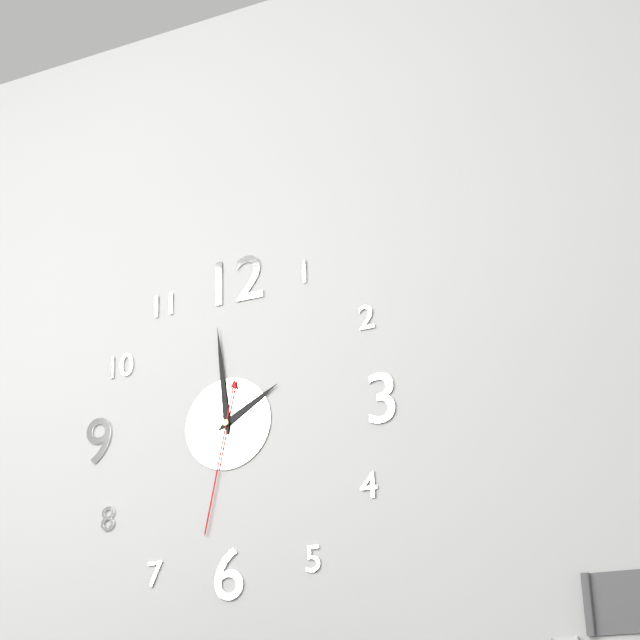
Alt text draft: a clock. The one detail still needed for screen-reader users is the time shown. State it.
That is 1:59:32
